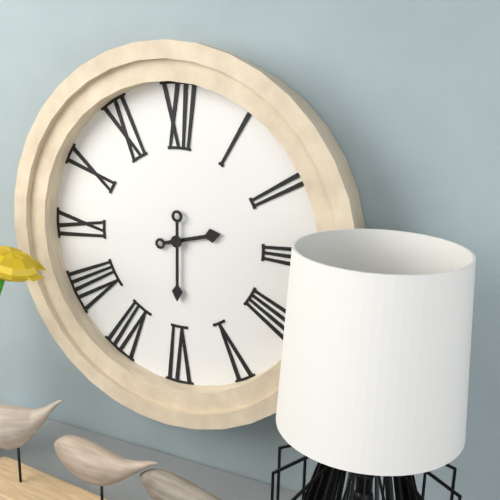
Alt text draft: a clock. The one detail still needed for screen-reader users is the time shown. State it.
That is 2:30
